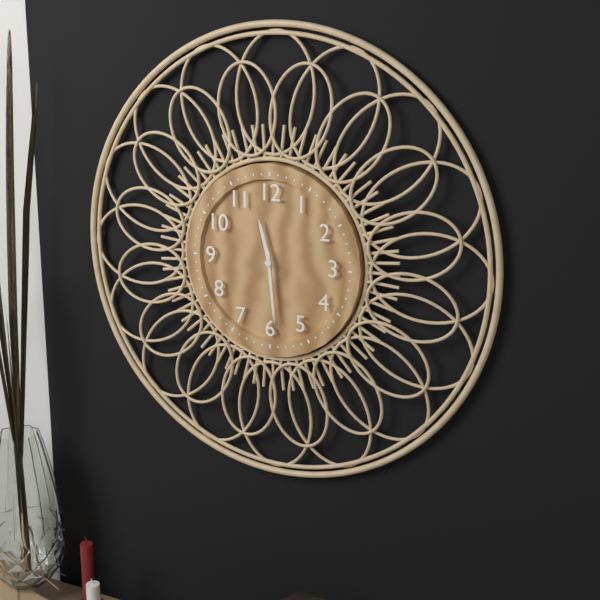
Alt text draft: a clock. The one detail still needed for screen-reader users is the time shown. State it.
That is 11:29
